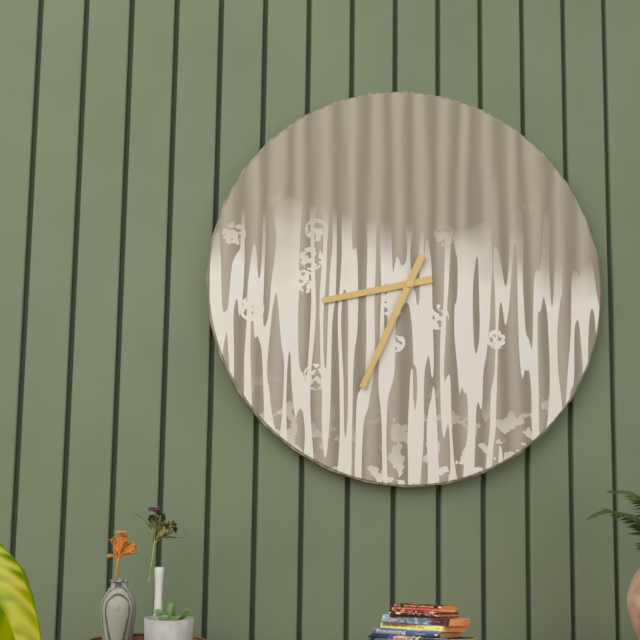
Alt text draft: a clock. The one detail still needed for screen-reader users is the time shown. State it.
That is 8:34
